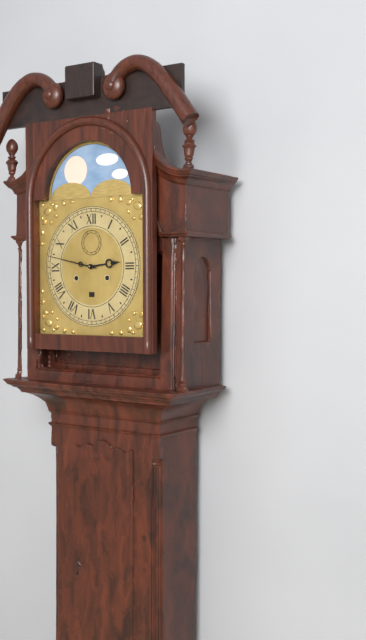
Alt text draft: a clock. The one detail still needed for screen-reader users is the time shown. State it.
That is 2:47
